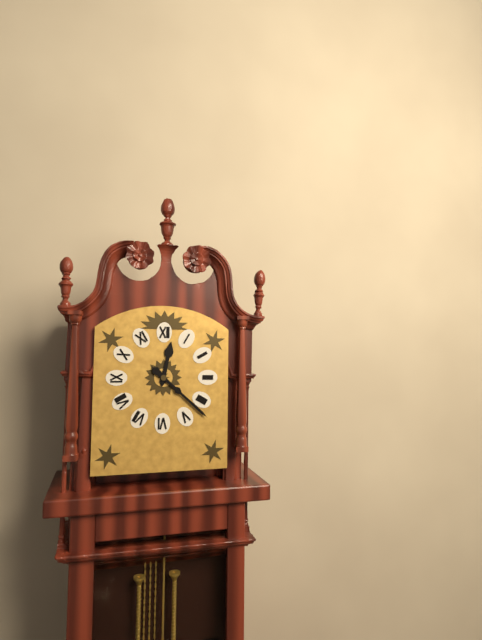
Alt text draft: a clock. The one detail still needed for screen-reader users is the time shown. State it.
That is 12:22
